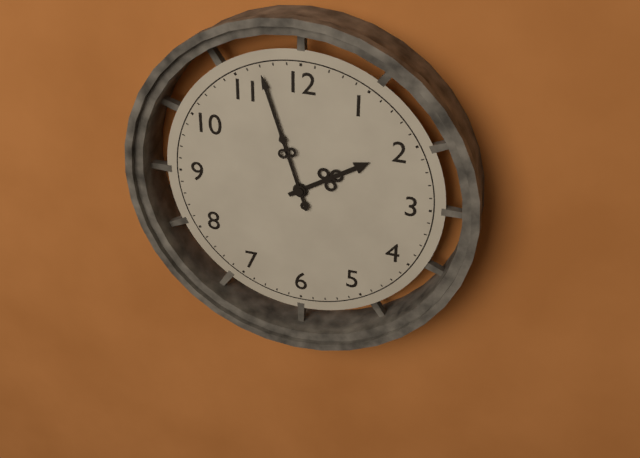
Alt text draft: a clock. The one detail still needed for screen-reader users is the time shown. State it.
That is 1:57
